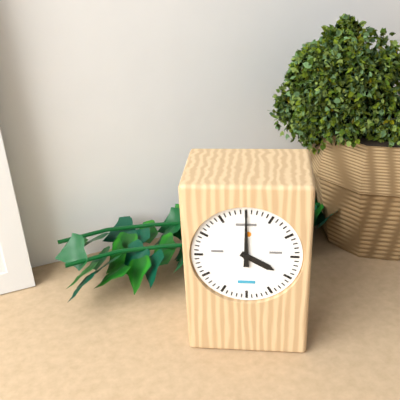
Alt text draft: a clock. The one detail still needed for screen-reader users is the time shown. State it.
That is 4:00
